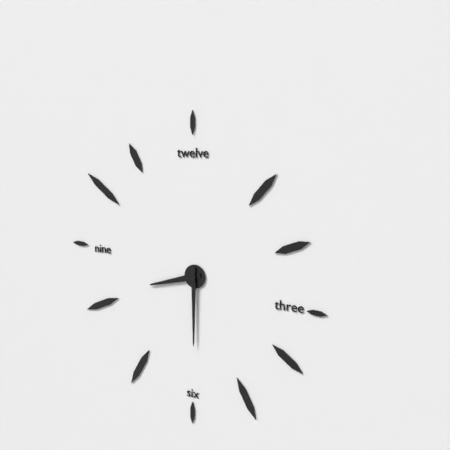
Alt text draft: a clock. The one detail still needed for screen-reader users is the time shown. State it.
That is 8:30
